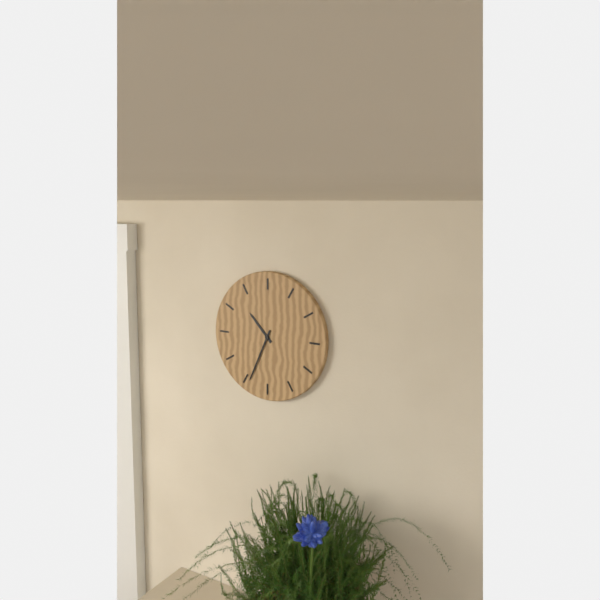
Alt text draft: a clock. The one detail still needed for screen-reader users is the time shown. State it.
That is 10:34
